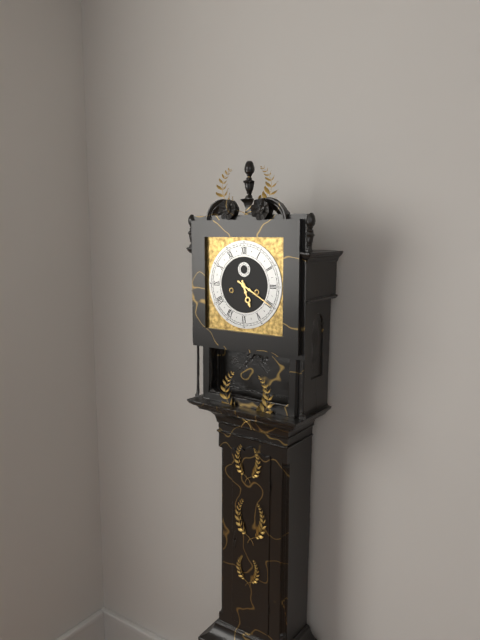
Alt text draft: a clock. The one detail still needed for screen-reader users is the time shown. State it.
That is 5:20
